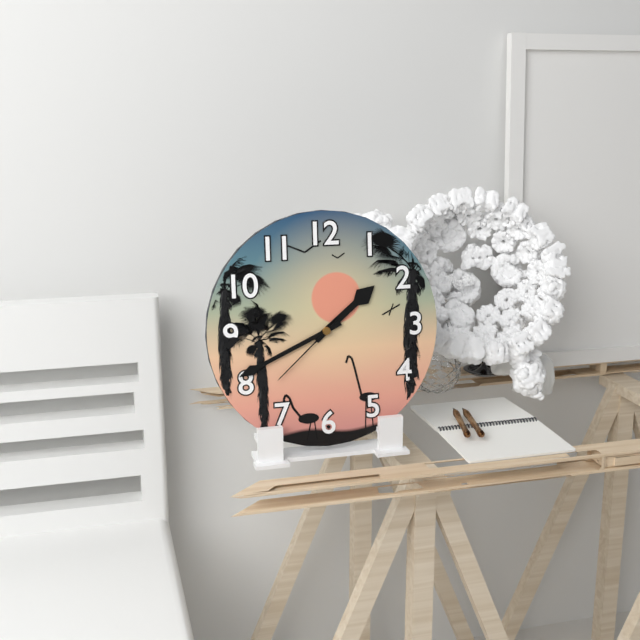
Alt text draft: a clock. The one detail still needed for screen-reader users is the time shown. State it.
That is 1:41:38
